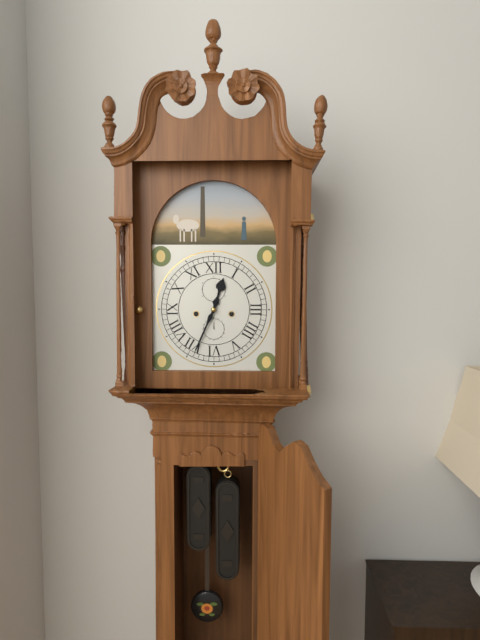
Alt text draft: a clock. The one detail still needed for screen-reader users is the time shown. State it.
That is 12:34
